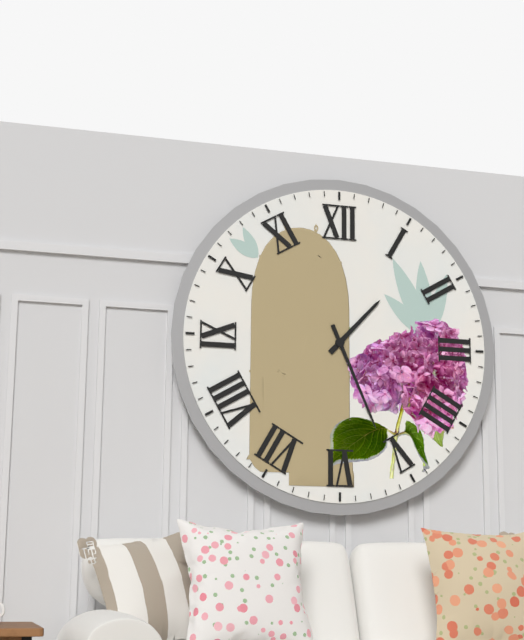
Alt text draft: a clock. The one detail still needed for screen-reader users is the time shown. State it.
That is 1:26
